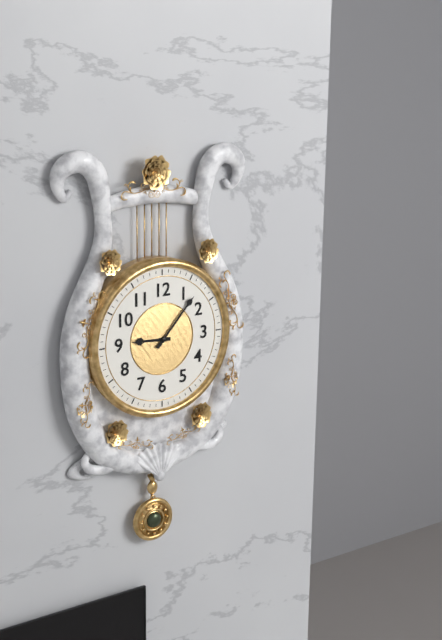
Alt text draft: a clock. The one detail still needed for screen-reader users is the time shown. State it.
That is 9:07
